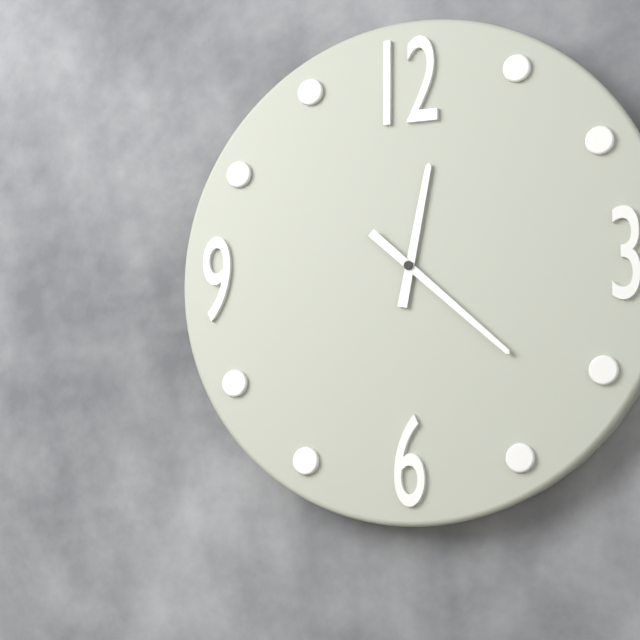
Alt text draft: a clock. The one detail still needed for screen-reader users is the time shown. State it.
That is 12:22
